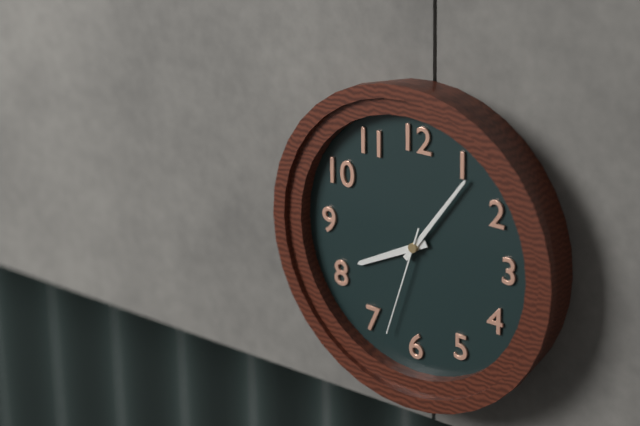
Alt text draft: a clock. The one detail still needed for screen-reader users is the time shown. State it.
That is 8:06:33
